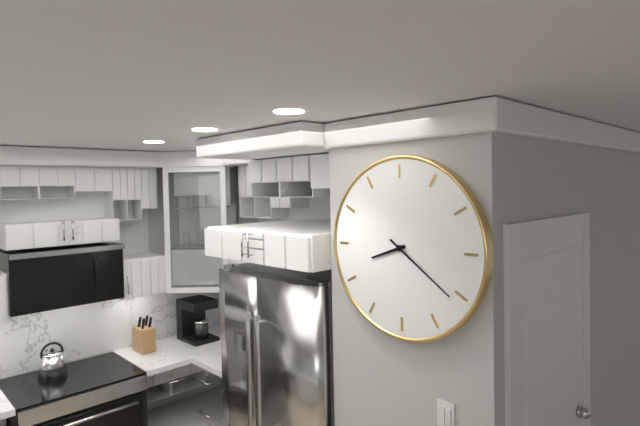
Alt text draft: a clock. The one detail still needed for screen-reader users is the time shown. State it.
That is 8:21
